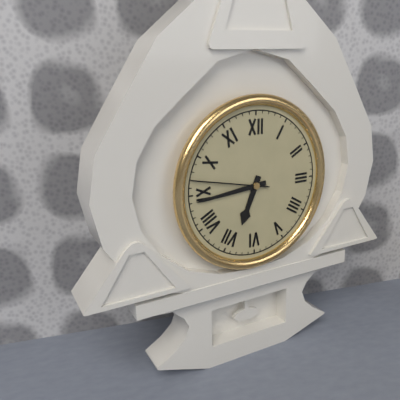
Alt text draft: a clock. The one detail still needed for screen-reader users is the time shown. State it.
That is 6:44:47
